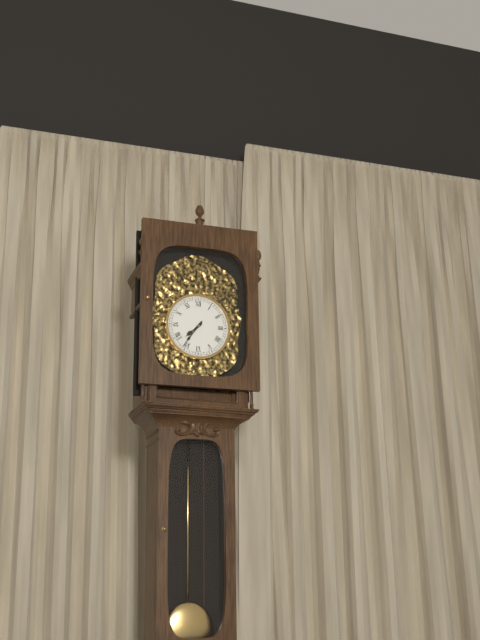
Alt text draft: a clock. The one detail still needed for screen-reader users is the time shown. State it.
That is 7:36
